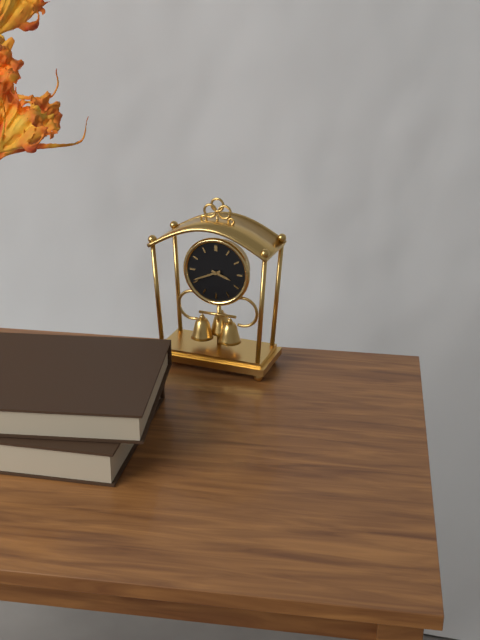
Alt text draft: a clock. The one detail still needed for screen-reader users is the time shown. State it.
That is 3:41
